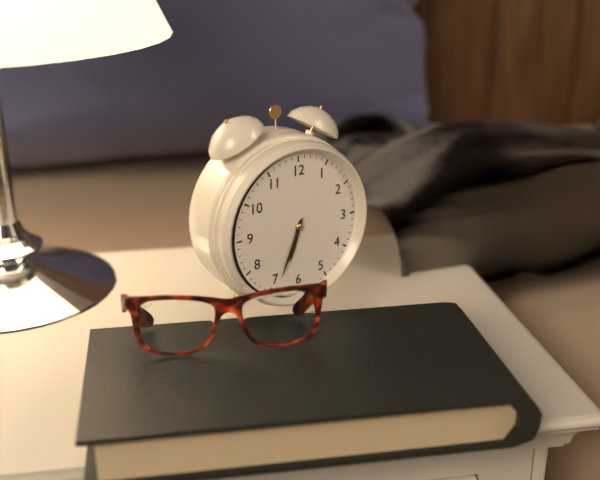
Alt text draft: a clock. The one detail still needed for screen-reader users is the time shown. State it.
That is 6:34
